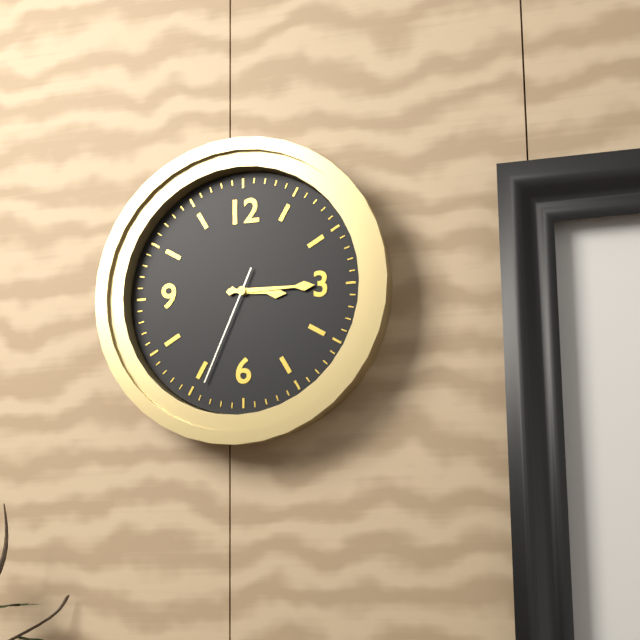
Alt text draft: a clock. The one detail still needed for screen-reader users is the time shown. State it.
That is 3:15:34
